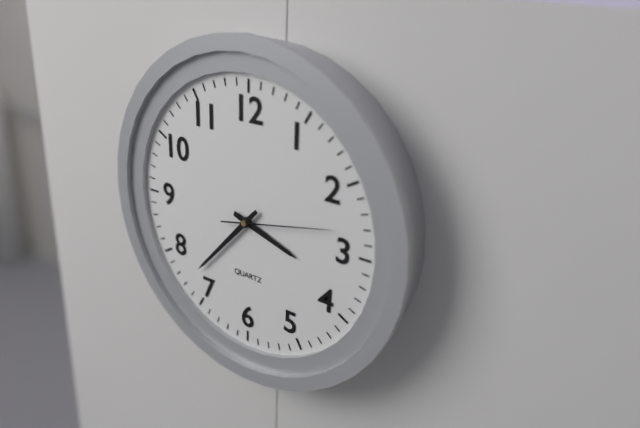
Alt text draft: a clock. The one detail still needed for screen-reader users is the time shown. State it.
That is 3:37:13
